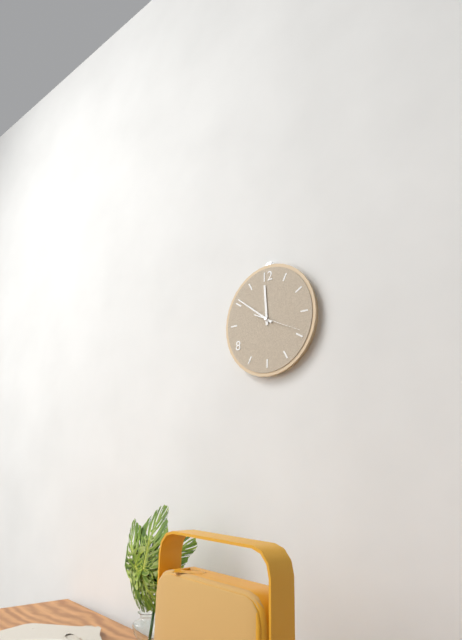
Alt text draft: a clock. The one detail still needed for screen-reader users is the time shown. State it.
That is 11:51
